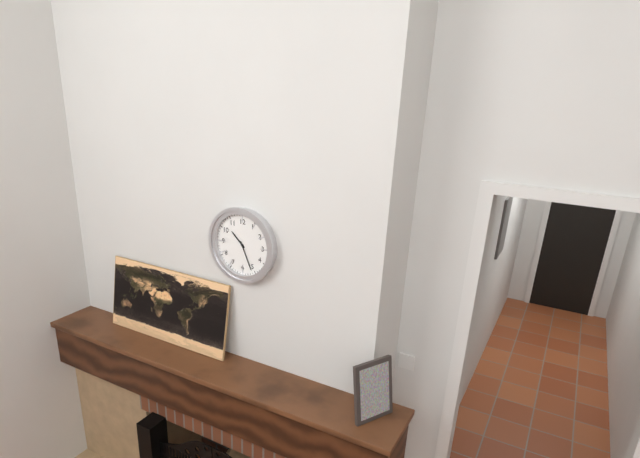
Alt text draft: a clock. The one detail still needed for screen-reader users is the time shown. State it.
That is 10:26
